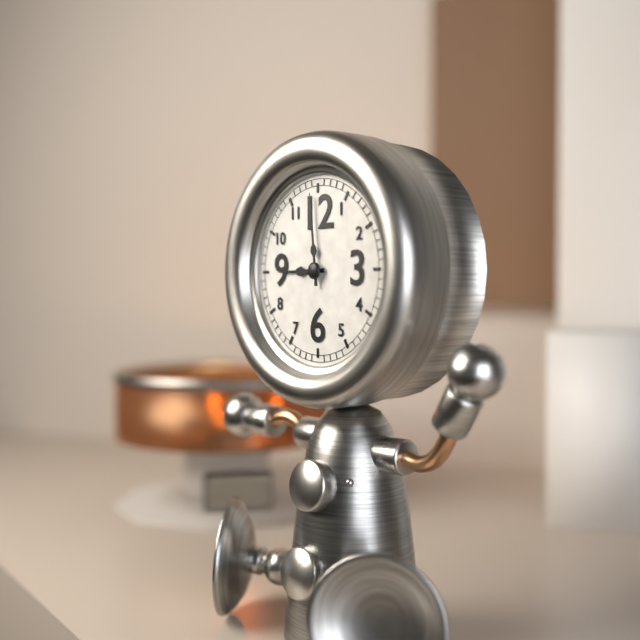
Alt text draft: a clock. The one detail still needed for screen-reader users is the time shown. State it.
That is 8:59
